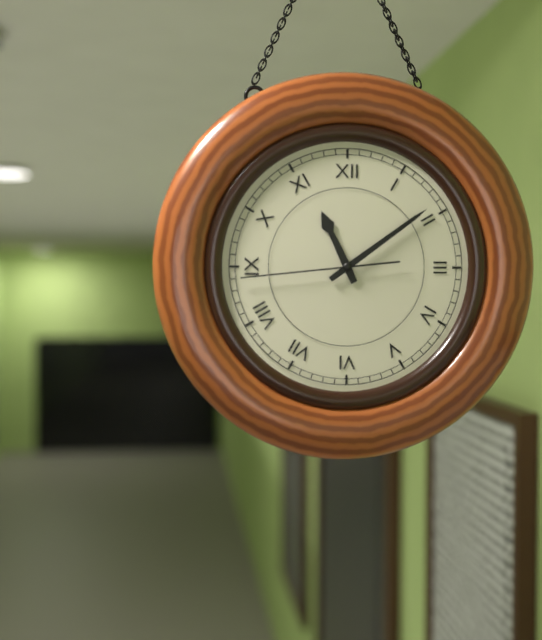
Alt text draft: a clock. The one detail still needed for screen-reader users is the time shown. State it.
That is 11:09:44
